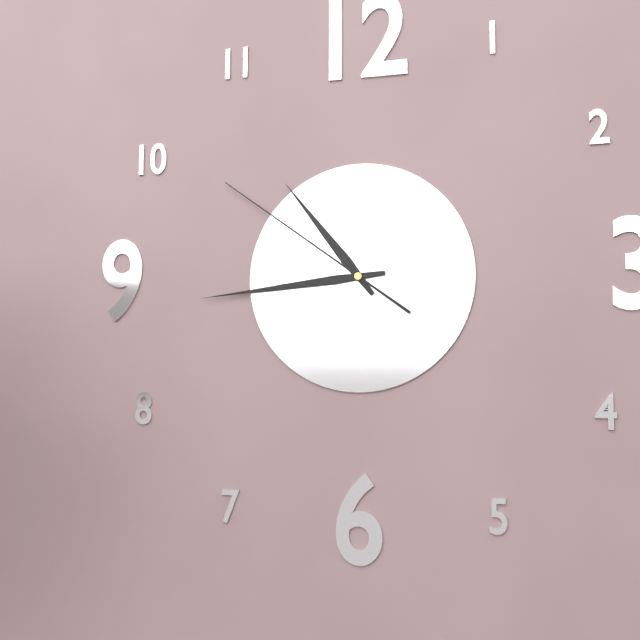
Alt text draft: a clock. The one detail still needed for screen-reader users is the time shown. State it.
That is 10:44:51
